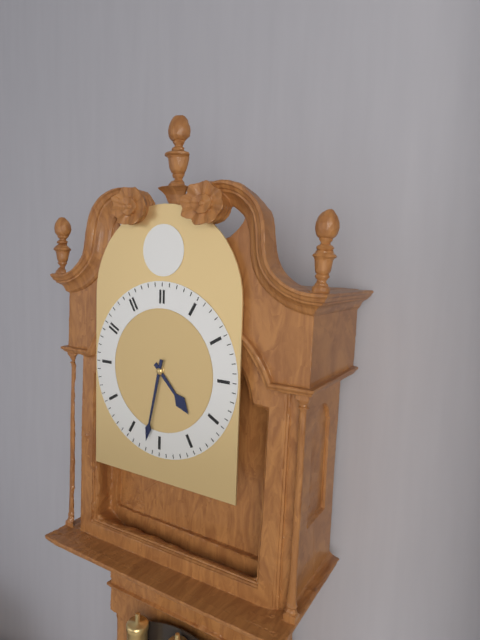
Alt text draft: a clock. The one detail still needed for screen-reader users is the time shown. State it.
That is 4:32
